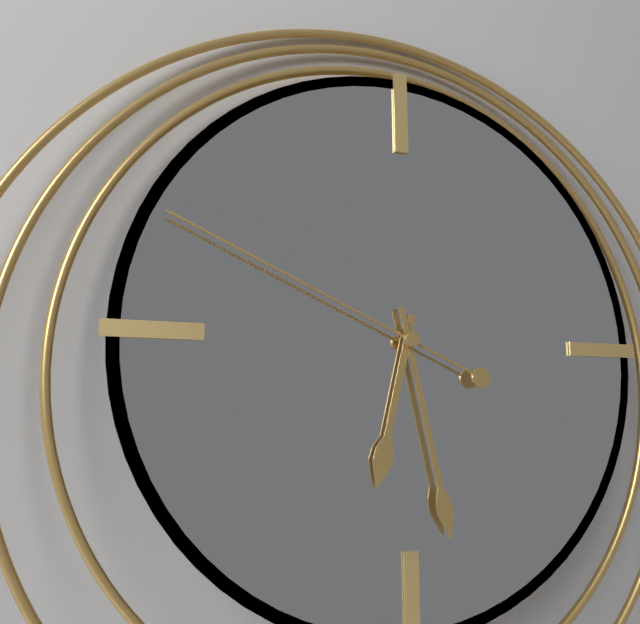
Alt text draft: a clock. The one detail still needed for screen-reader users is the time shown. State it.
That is 6:28:49
